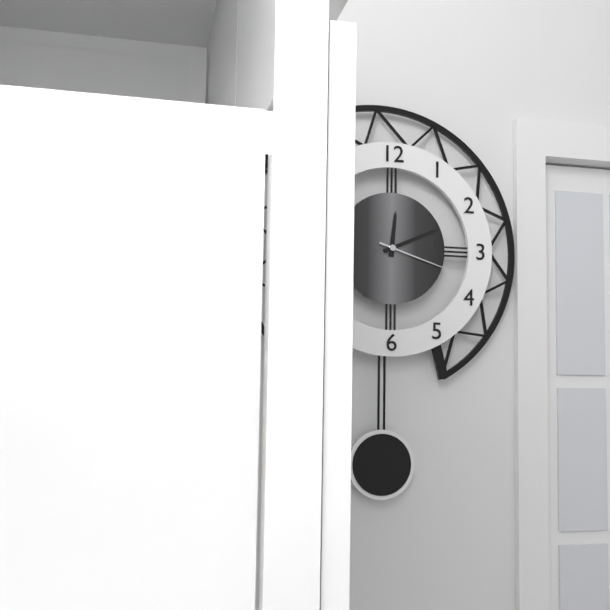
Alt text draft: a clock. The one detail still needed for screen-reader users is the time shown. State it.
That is 12:11:18
